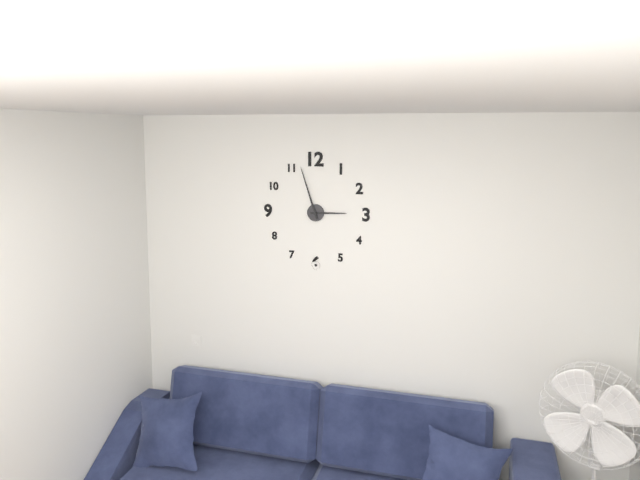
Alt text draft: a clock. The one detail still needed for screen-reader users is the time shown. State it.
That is 2:57
